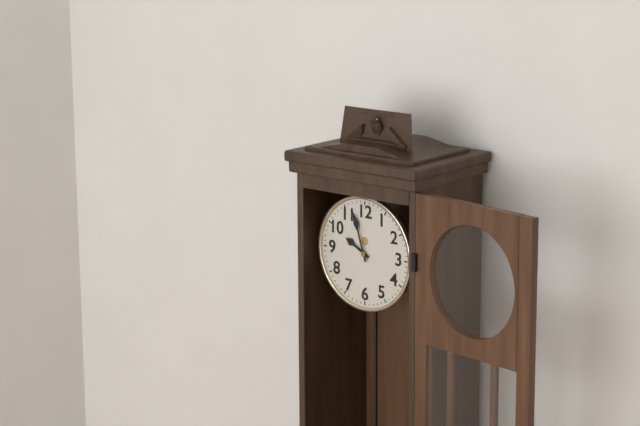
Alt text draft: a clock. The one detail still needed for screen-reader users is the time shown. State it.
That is 9:57
